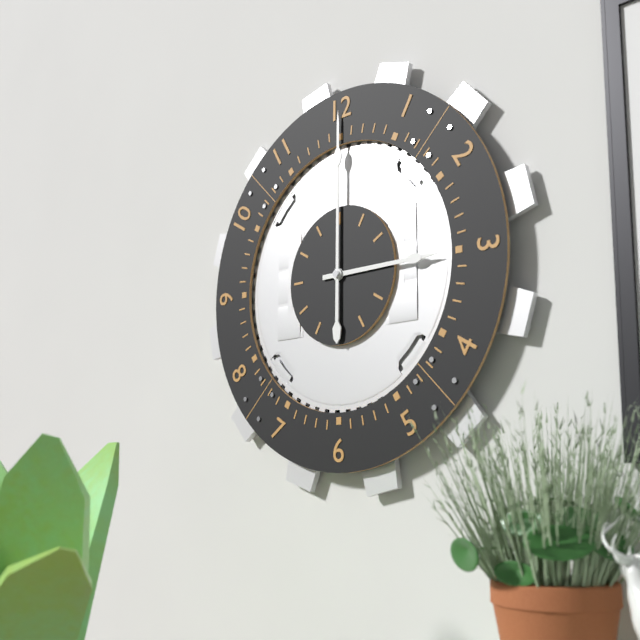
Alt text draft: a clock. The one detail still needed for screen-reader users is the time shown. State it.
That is 3:00
